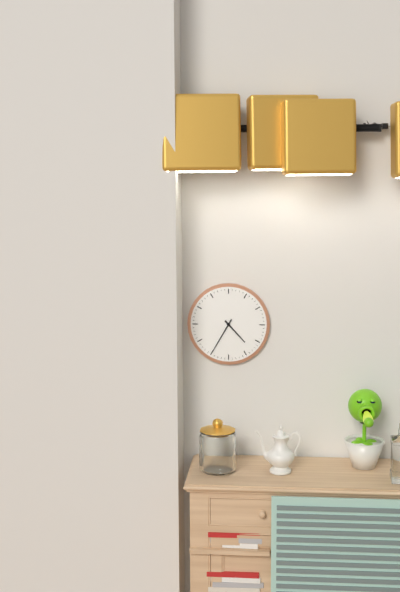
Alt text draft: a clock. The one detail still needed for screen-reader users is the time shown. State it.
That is 4:35
